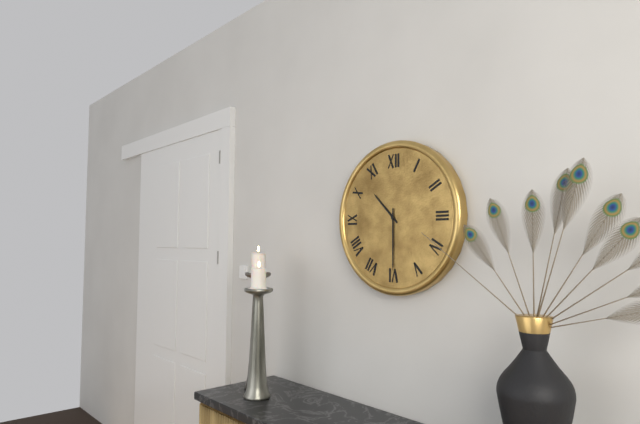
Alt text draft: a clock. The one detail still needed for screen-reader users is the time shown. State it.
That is 10:30
